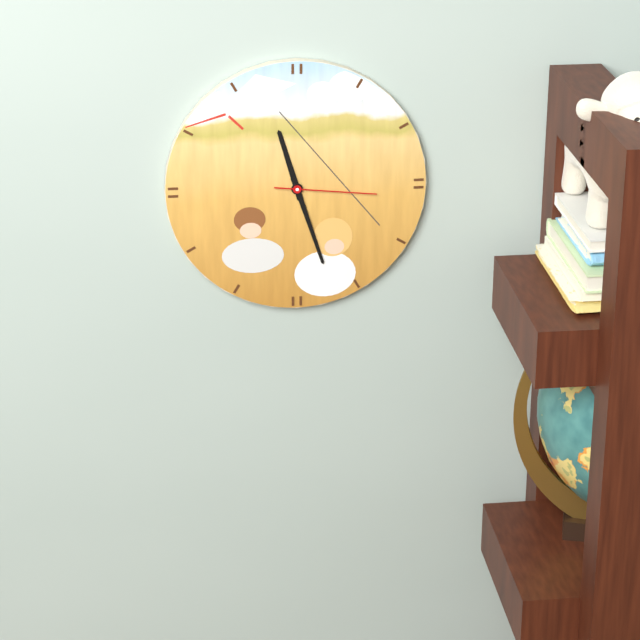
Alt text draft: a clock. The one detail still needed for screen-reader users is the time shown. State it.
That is 11:27:16
